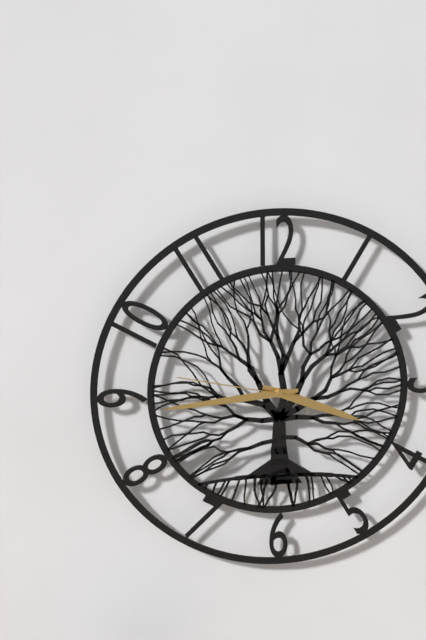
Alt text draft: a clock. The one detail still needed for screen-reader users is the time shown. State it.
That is 3:44:47
